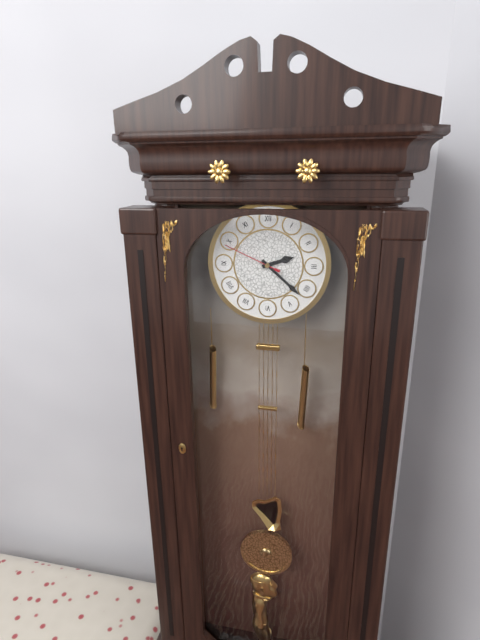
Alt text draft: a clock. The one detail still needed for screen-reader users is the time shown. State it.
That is 2:22:49
